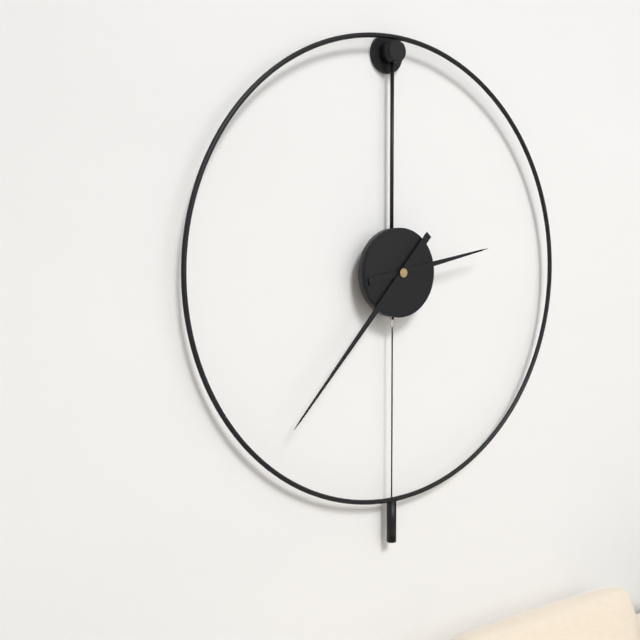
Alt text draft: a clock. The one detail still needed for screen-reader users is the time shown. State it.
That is 2:37
